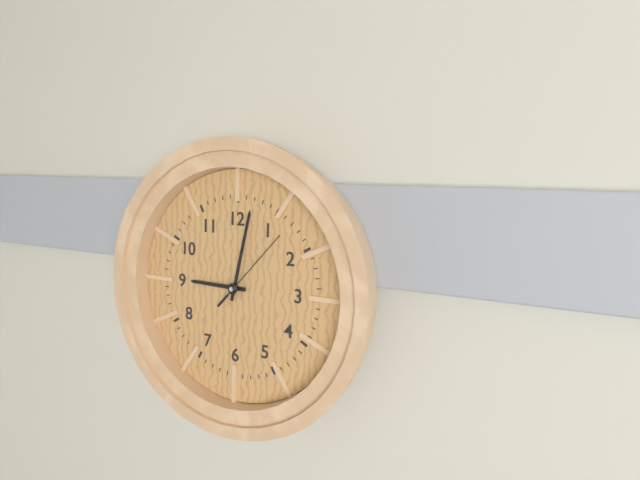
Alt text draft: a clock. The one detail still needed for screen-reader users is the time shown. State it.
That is 9:02:07
